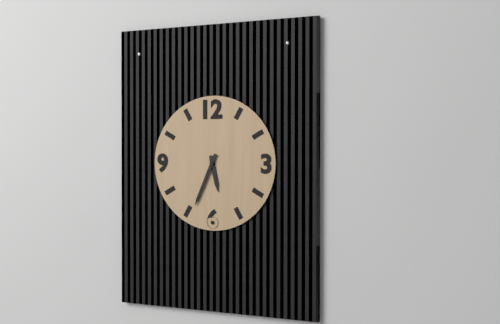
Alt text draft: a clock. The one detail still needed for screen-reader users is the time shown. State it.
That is 5:34
